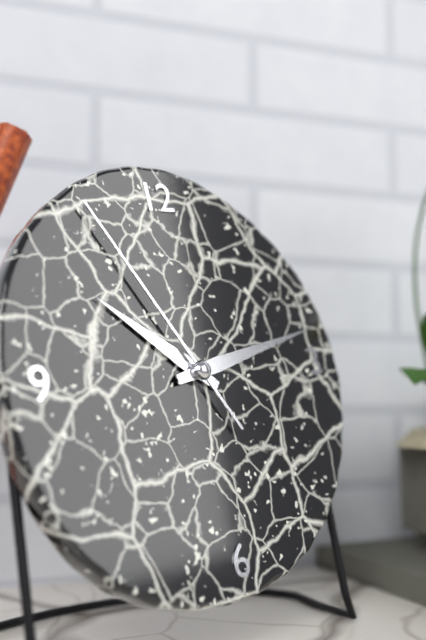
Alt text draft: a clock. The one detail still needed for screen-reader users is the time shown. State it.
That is 10:13:55
